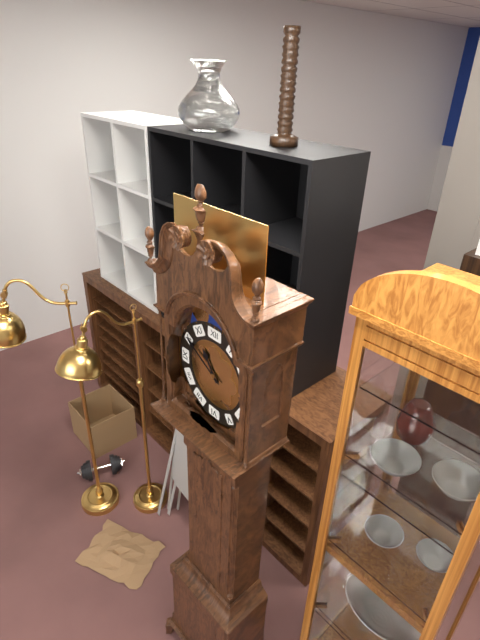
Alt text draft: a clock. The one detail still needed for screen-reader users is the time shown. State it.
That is 10:50
